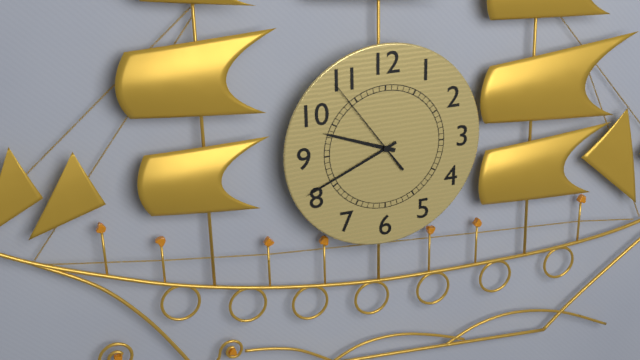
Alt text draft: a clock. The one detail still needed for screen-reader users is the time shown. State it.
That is 9:41:54
